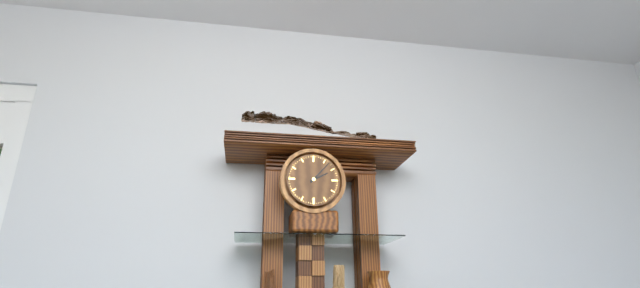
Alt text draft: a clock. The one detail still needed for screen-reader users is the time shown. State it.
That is 2:07
